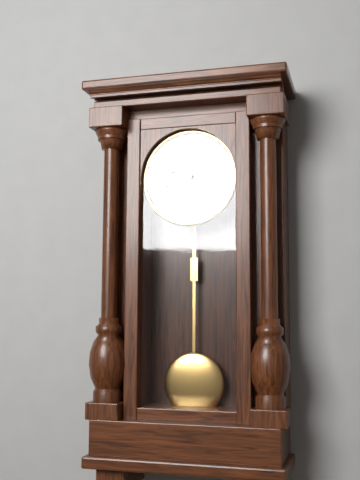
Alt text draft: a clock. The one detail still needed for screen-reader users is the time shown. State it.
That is 9:42
